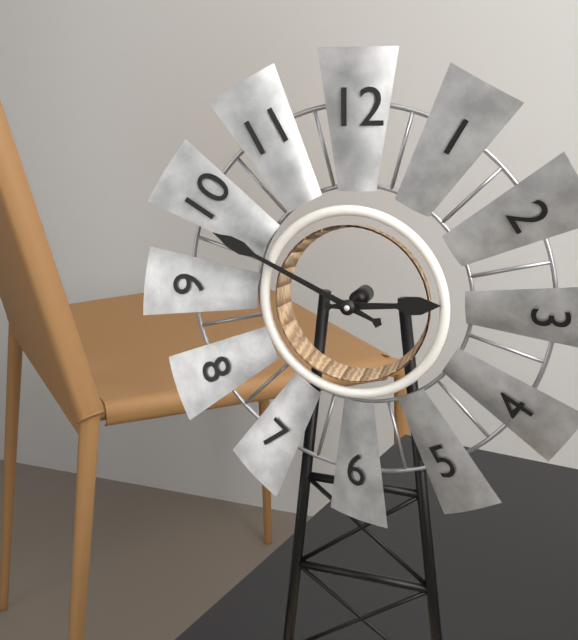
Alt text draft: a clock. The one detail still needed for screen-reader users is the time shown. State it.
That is 2:49
